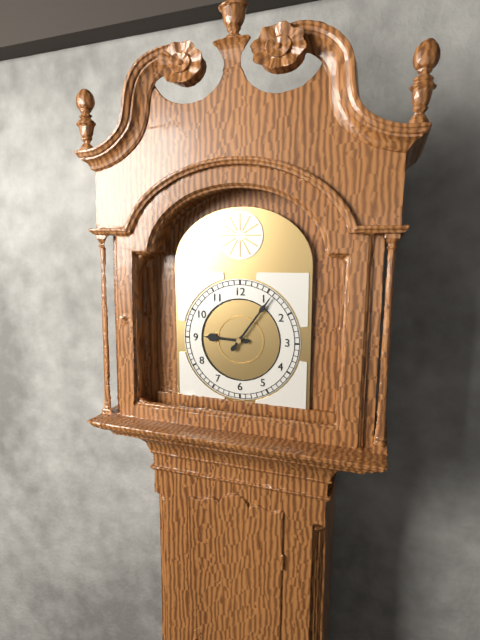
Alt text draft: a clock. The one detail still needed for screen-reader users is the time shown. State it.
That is 9:06
